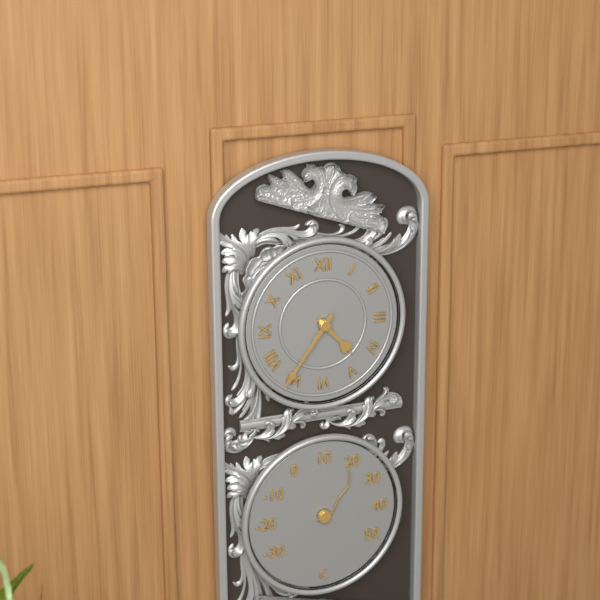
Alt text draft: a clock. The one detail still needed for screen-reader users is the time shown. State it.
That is 4:36
